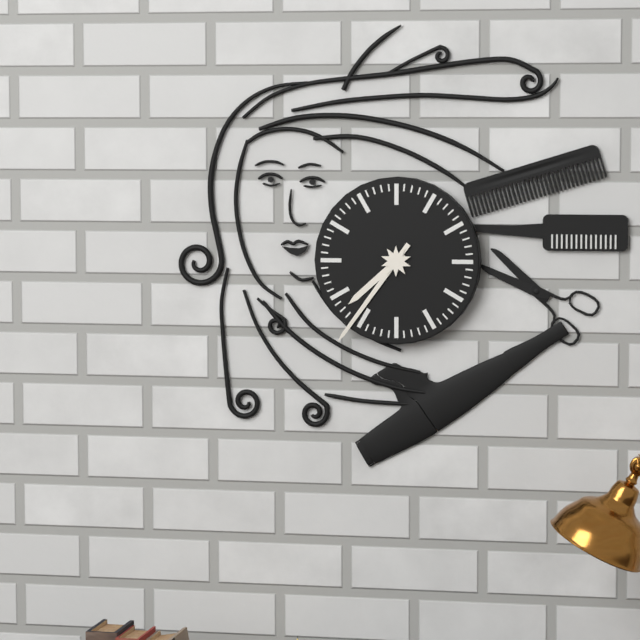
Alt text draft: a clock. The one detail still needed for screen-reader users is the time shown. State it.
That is 7:36
